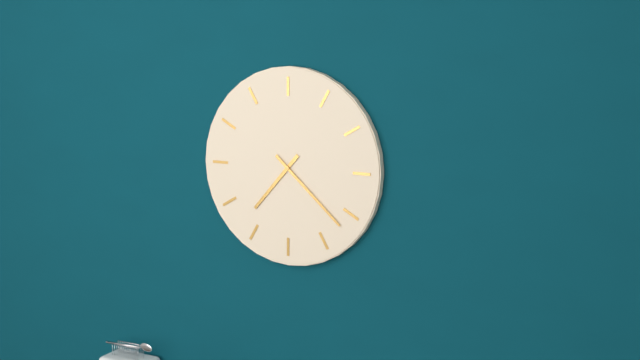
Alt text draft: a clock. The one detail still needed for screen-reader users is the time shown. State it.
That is 7:22
